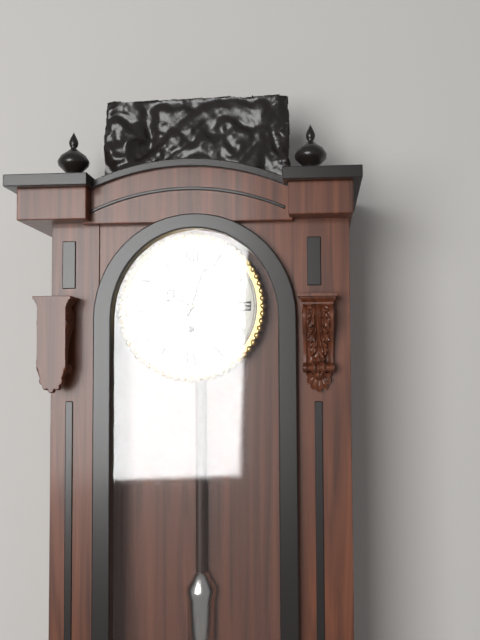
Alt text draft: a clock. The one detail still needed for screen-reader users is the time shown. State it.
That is 10:03
